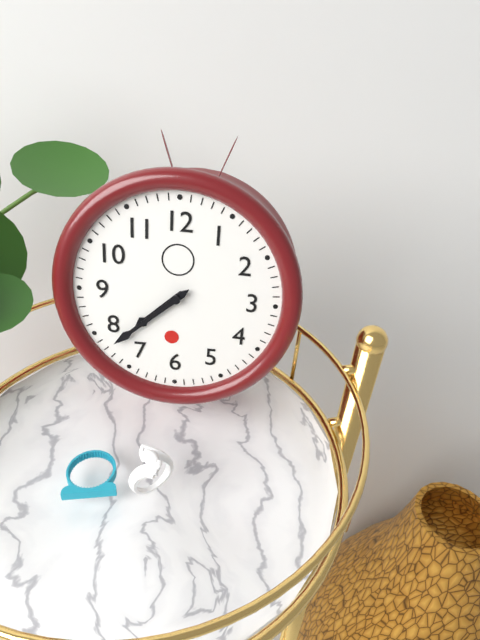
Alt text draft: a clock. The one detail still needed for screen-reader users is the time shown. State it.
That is 7:38
